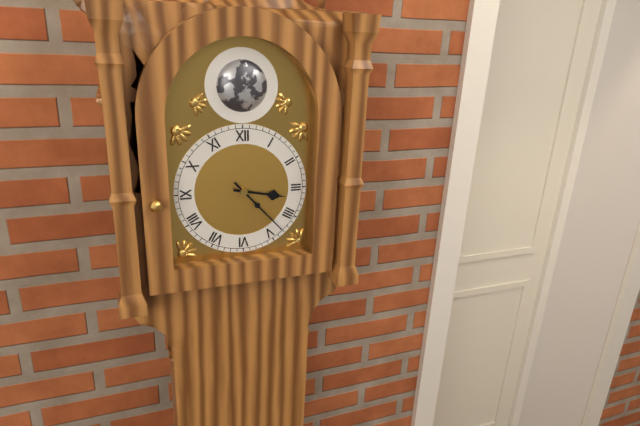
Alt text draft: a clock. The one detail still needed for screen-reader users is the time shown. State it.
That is 3:23
